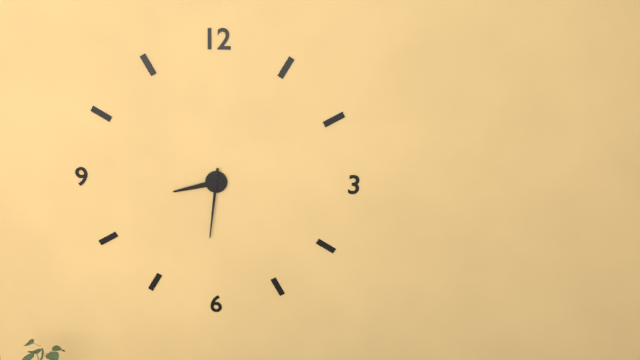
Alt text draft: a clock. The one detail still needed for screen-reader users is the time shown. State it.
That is 8:31
